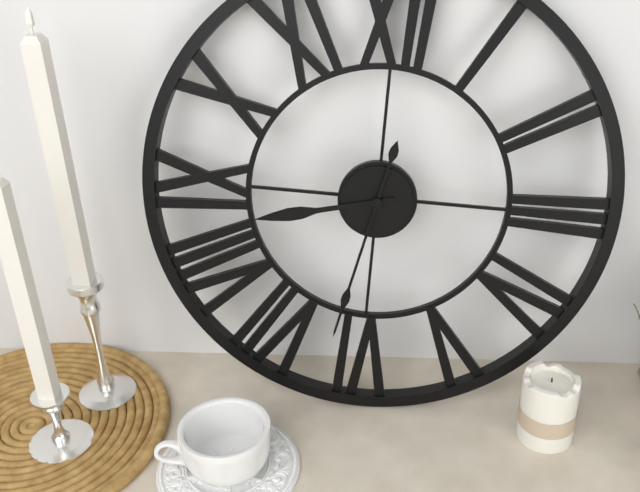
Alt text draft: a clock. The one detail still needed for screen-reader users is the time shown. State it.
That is 8:32
